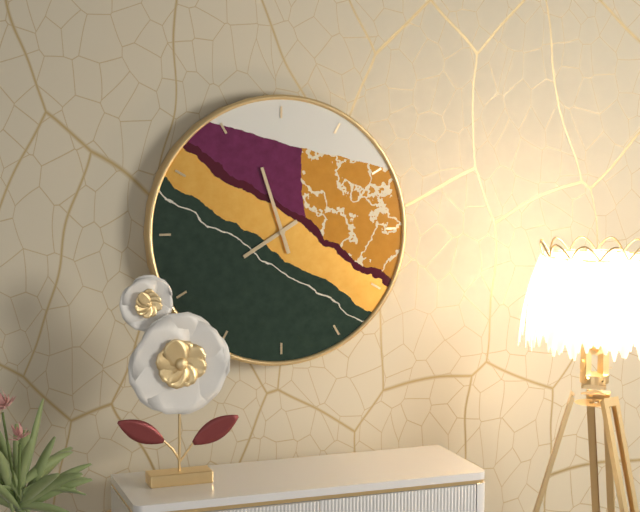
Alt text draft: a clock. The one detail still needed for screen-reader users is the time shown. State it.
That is 7:57
